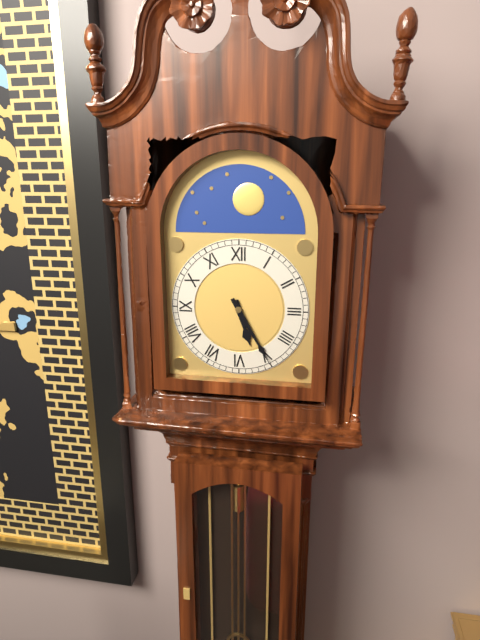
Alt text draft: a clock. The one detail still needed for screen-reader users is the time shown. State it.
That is 5:25
